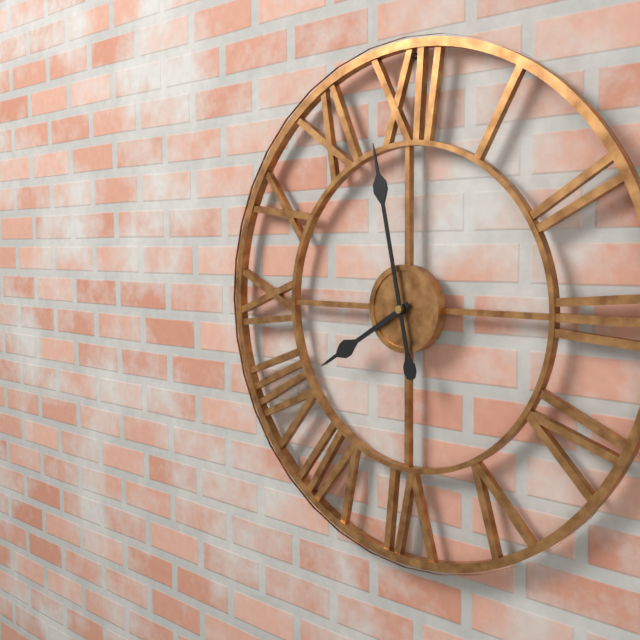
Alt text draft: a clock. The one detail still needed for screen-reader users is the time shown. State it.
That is 7:58
